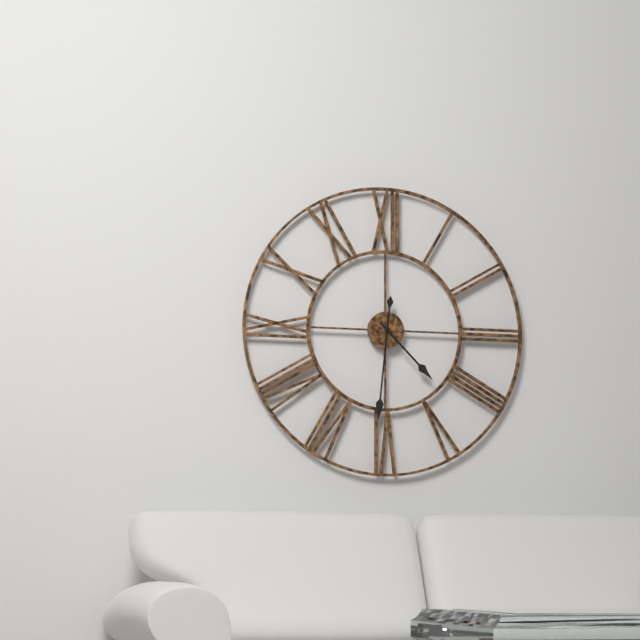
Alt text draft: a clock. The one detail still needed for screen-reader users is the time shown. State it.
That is 4:31
